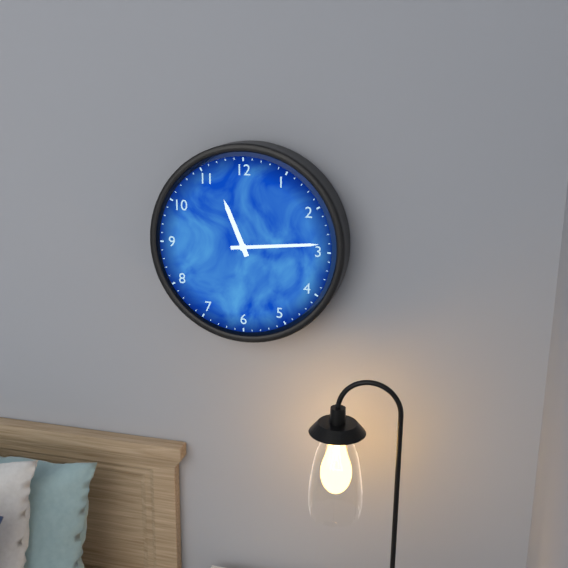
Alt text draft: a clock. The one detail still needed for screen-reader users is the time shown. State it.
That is 11:14
